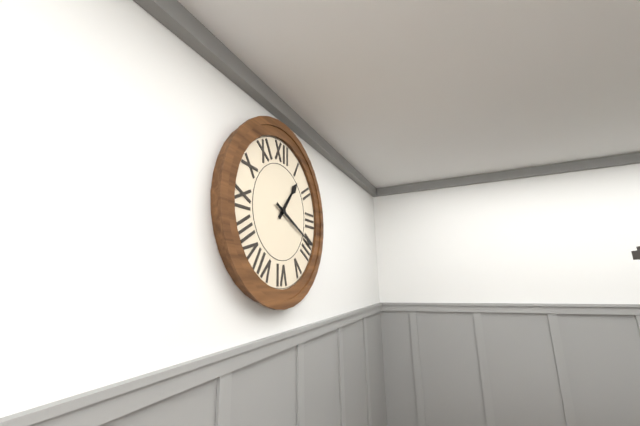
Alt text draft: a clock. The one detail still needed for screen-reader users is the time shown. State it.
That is 1:19
